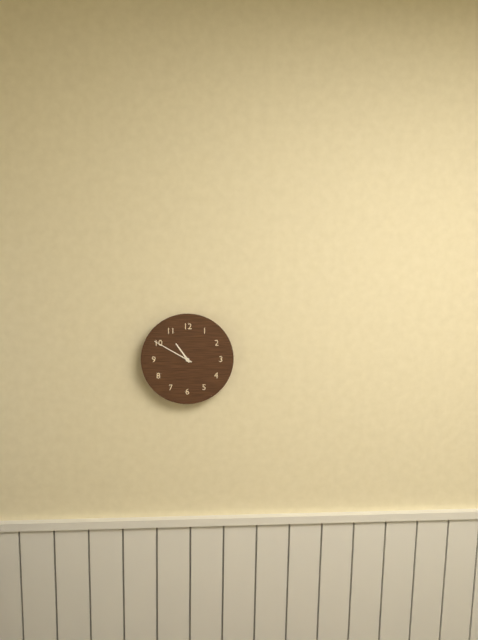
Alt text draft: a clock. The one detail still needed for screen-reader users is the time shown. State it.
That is 10:50
